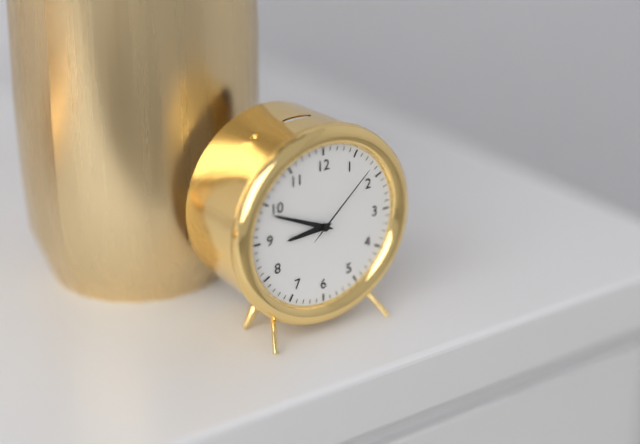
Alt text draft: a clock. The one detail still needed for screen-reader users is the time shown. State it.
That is 8:49:08
